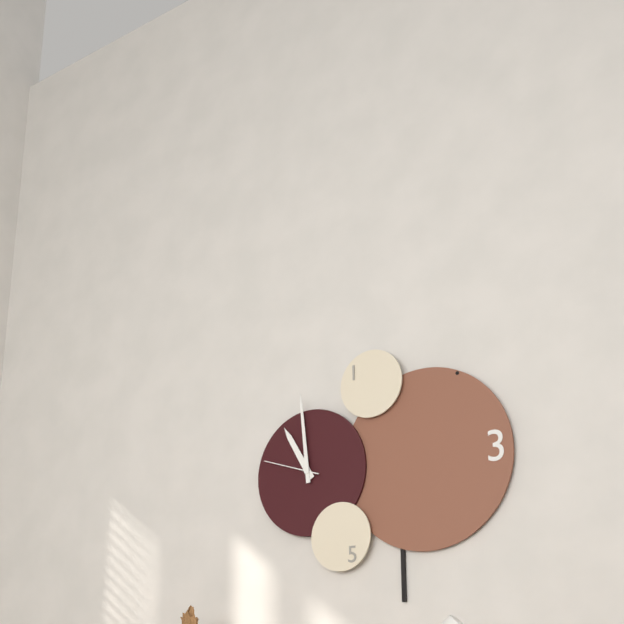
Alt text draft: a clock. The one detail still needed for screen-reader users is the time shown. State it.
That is 10:59:48
